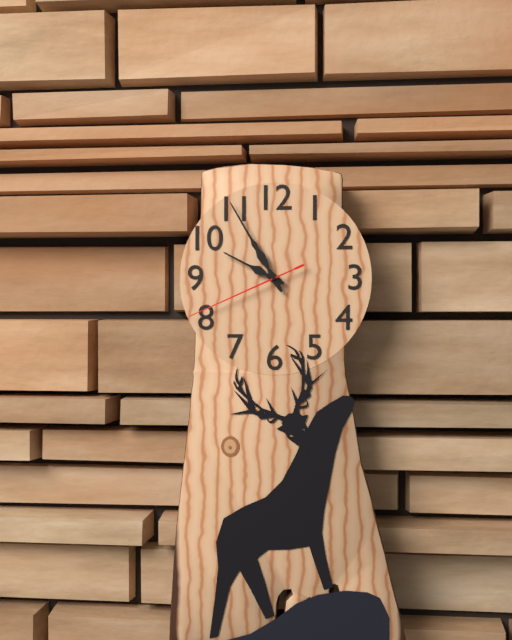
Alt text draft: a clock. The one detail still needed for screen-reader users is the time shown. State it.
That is 9:55:41
